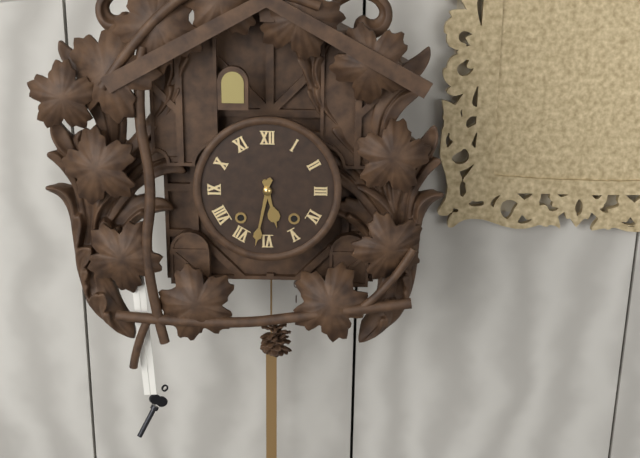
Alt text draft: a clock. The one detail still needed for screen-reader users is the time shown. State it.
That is 5:32
